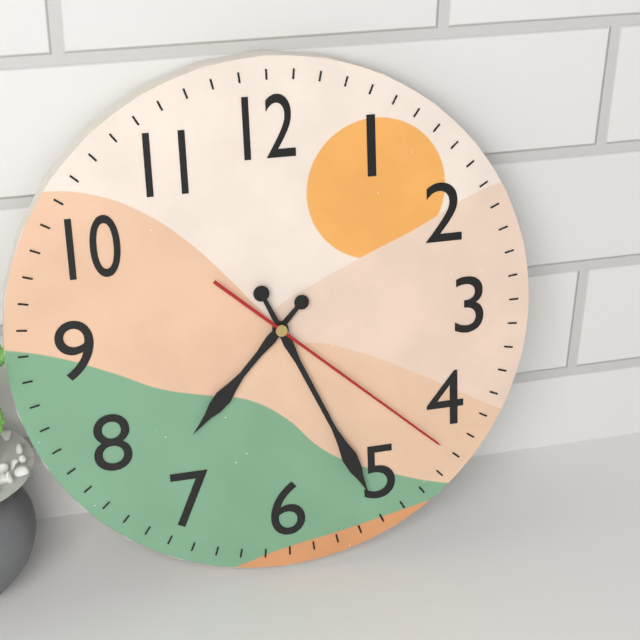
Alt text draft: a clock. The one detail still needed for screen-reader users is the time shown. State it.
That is 7:26:22
